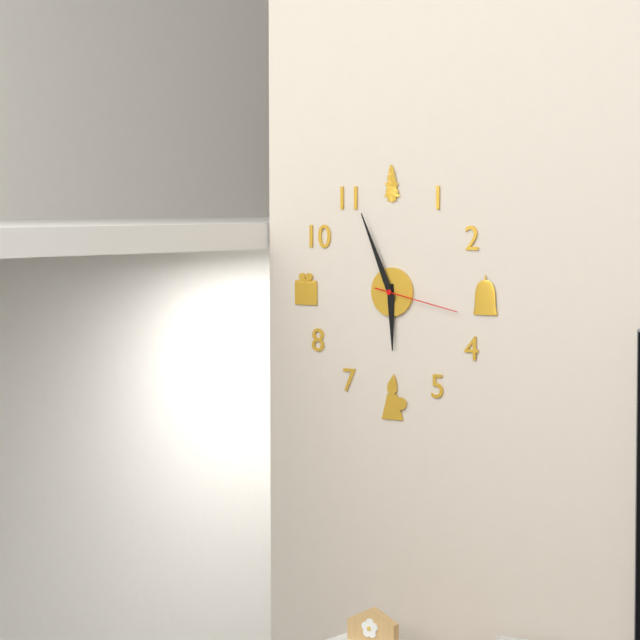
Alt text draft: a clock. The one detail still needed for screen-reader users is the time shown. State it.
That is 5:56:17
